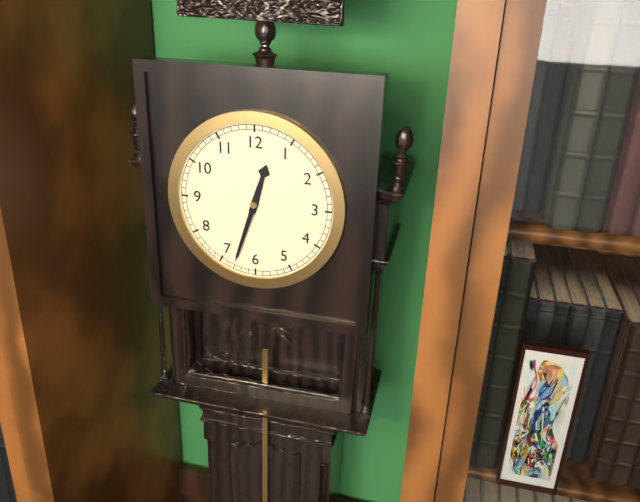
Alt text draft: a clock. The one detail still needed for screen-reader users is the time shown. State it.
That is 12:33
